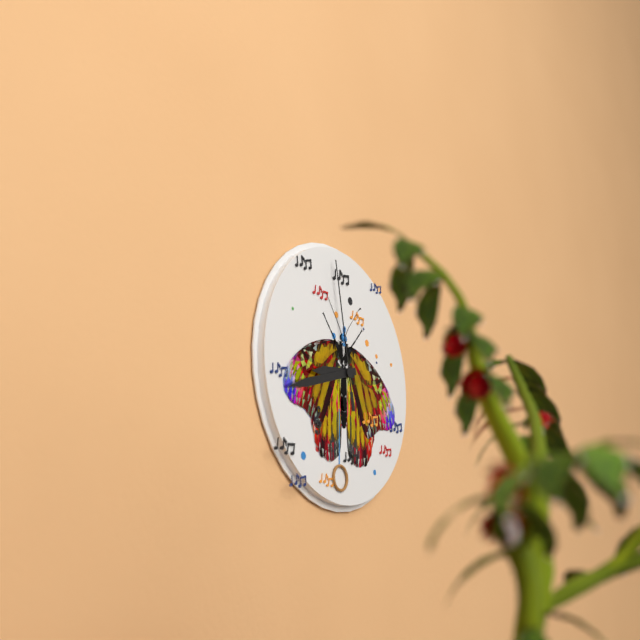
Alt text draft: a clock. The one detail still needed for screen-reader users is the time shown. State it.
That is 8:42:58
